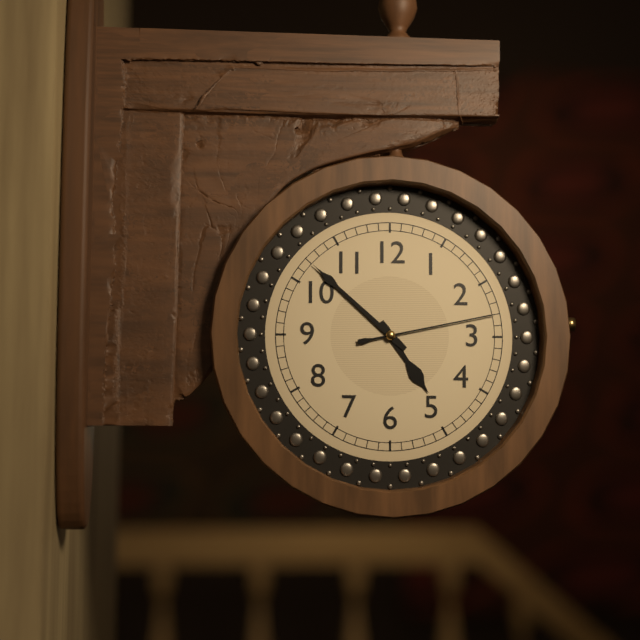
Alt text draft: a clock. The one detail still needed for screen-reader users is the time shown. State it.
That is 4:52:13
